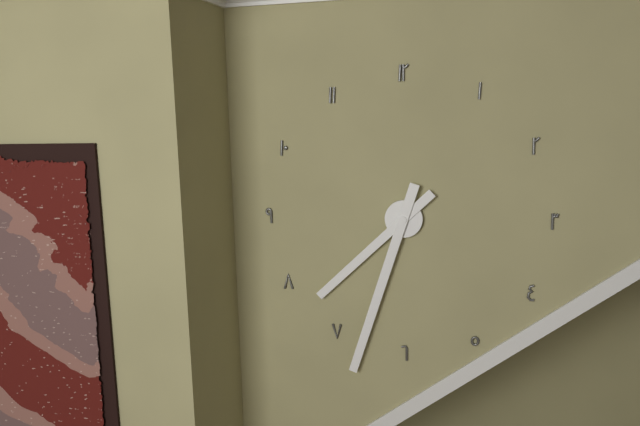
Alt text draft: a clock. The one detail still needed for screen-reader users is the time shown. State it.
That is 7:33
